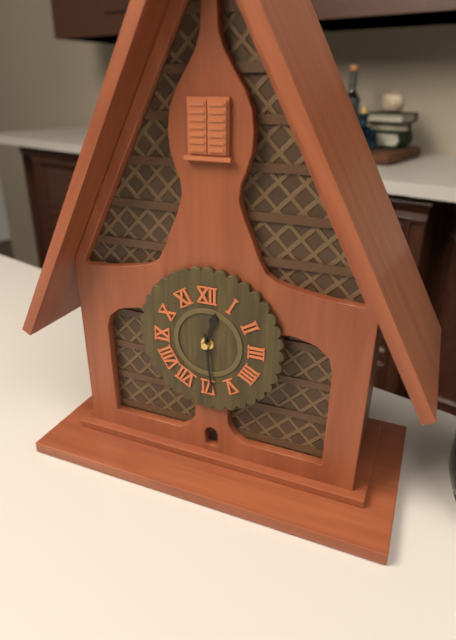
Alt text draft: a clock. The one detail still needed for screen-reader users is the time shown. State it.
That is 12:29
